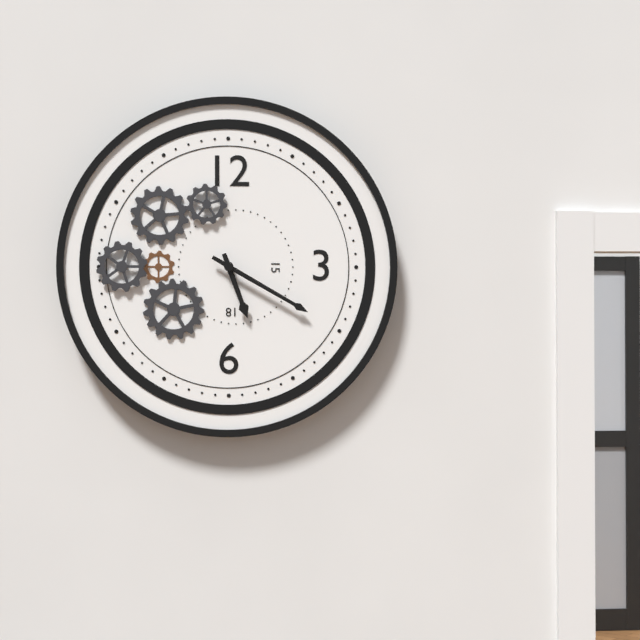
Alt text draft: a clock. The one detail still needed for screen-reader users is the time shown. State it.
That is 5:20
